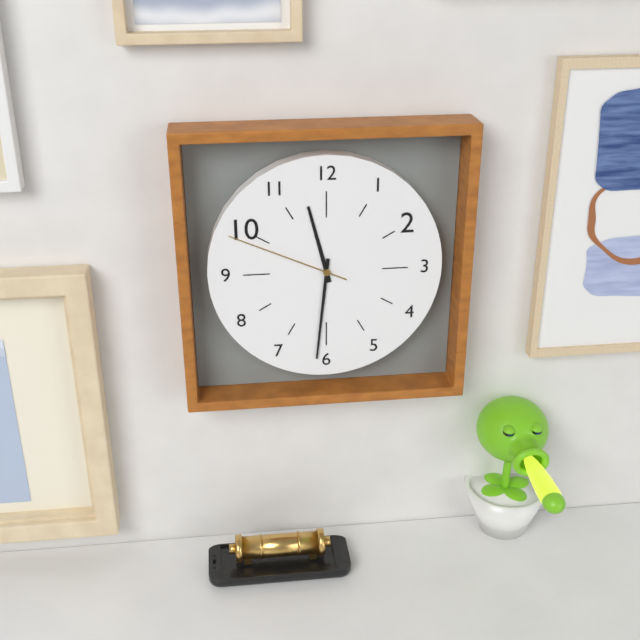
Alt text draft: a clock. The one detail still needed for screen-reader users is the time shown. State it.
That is 11:31:49
